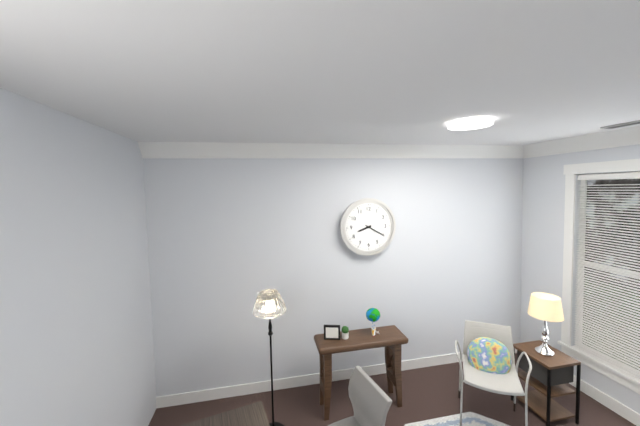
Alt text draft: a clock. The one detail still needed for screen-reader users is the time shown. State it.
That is 8:20
